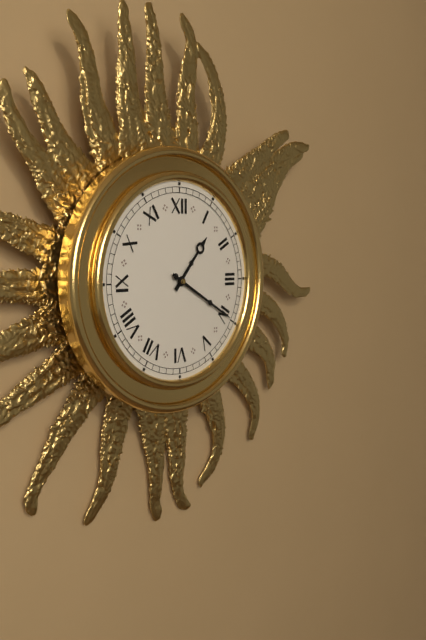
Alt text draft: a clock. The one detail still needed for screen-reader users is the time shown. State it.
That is 1:20
